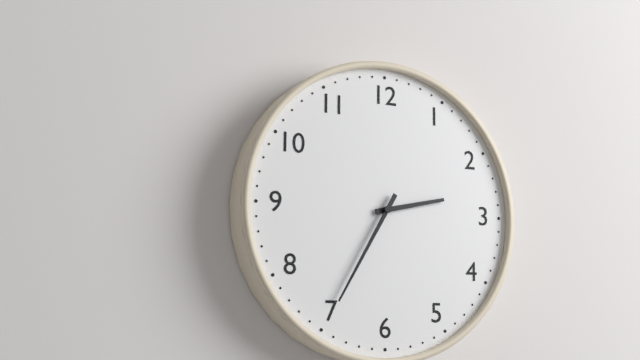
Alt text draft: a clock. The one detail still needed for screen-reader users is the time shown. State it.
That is 2:35
